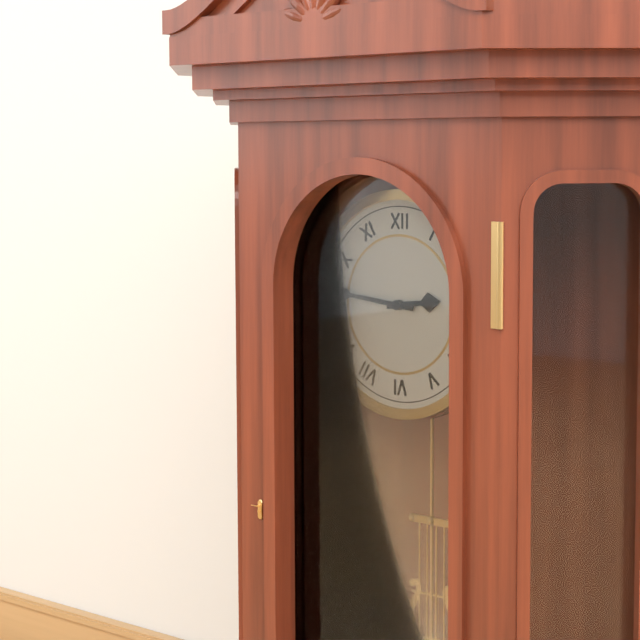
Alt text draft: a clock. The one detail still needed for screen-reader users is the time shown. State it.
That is 2:46
